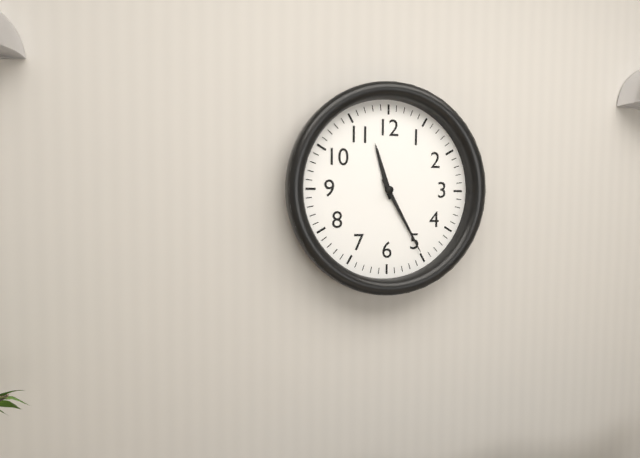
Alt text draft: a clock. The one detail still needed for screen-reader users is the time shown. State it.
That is 11:25
